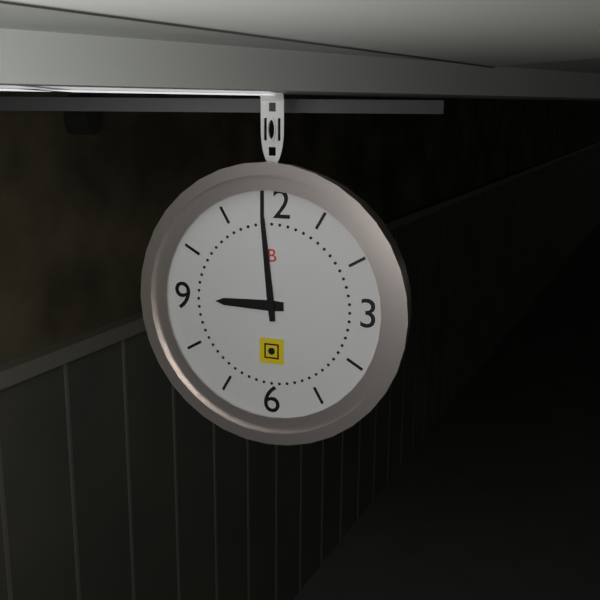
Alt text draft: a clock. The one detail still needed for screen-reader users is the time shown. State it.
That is 8:59
